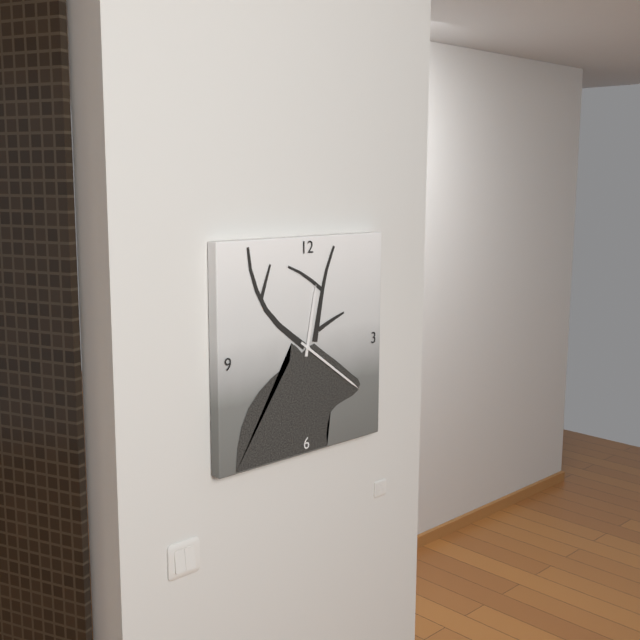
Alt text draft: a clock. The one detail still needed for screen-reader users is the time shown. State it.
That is 12:21
